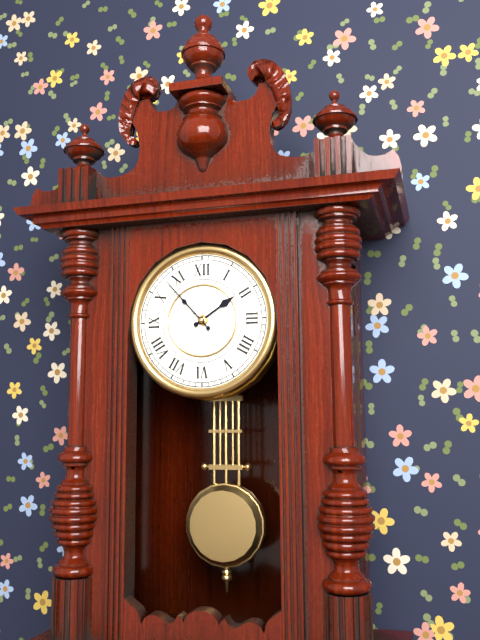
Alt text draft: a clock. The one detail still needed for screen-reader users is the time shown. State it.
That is 1:53
